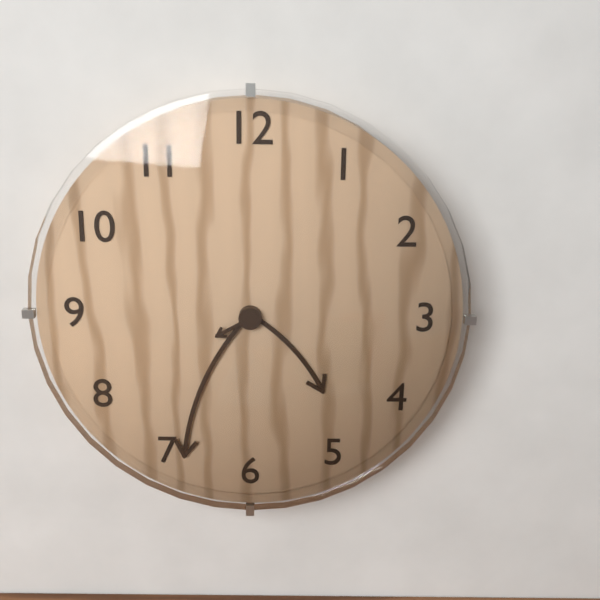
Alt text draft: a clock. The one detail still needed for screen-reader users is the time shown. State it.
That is 4:34:40
